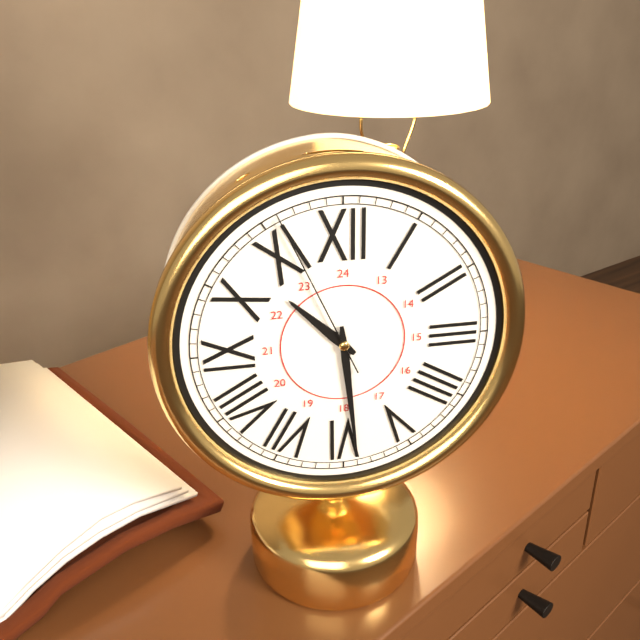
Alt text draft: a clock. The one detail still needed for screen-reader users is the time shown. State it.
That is 10:29:56
